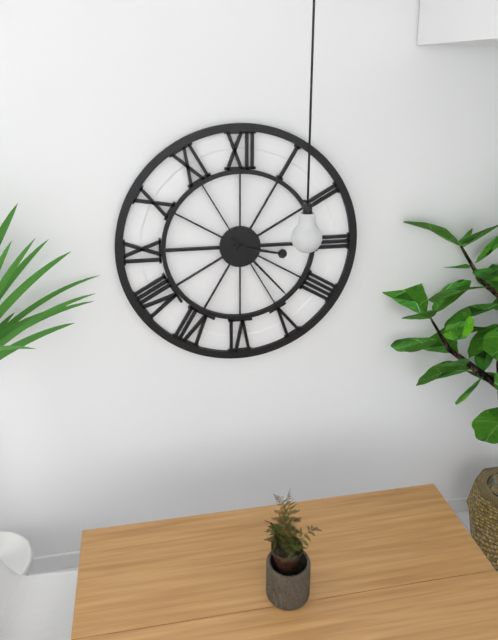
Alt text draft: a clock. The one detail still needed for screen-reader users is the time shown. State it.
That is 3:23
